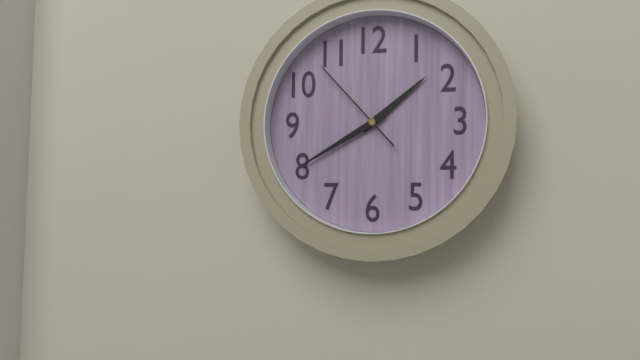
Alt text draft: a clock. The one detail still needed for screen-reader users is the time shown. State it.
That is 1:40:53
